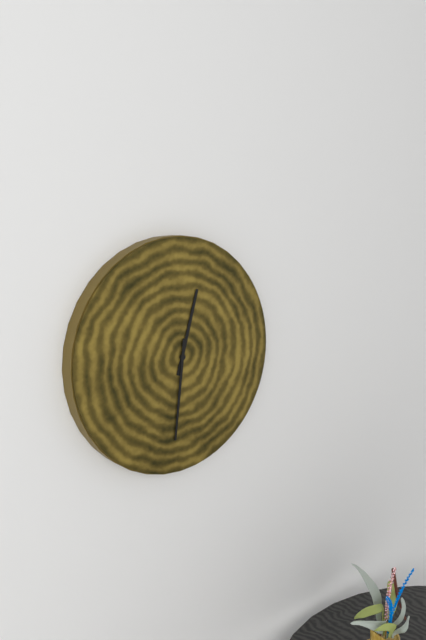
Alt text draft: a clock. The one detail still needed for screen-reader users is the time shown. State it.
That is 12:31
